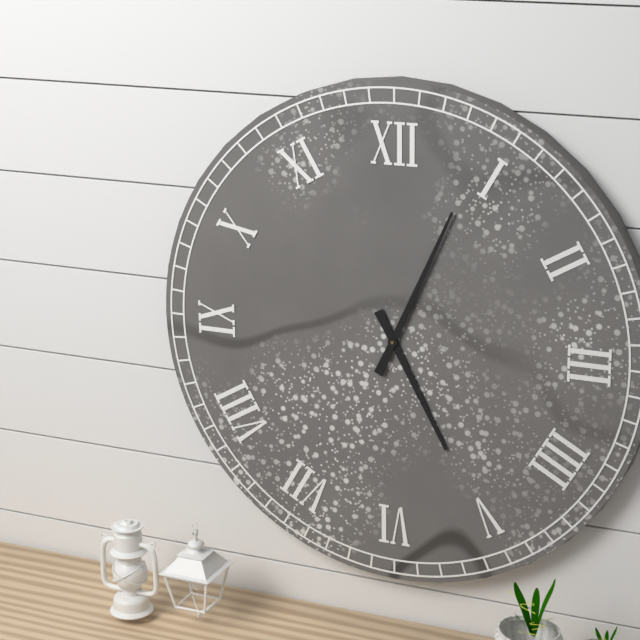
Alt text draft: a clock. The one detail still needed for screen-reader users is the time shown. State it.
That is 5:04
